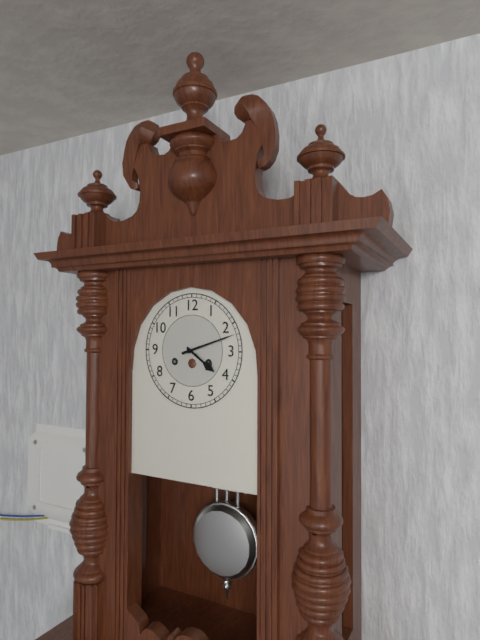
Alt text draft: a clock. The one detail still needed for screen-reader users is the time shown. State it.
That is 4:12
